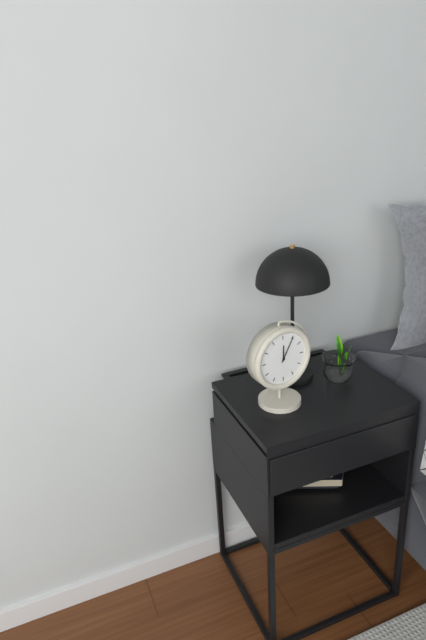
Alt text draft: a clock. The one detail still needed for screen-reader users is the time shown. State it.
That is 12:05
